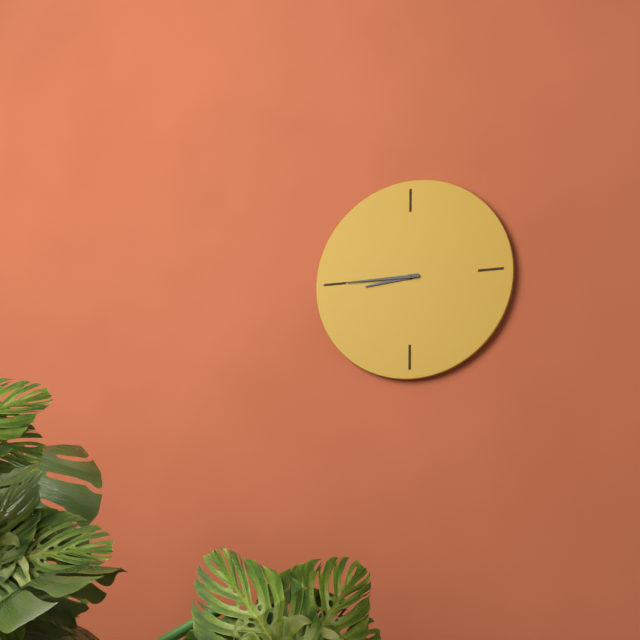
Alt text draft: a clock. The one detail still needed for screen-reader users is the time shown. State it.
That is 8:45
